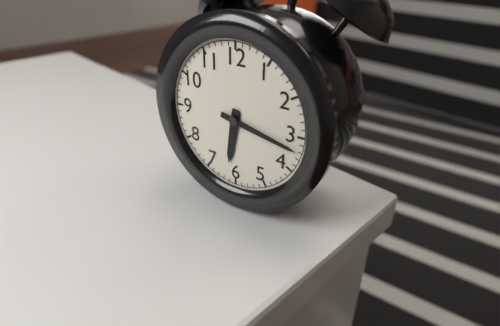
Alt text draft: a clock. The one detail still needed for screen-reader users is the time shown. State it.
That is 6:17
